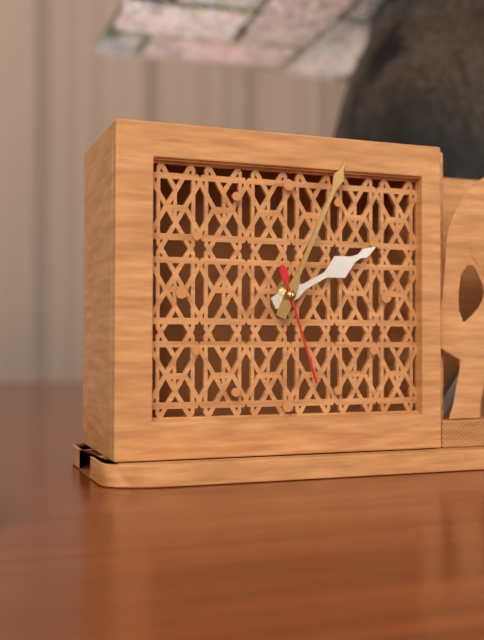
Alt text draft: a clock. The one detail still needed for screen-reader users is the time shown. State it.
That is 2:04:27
